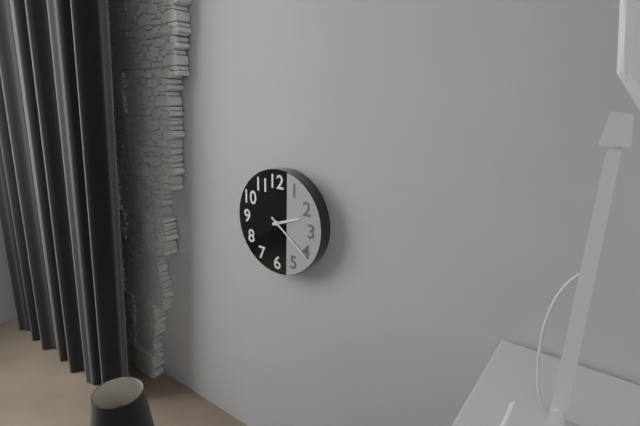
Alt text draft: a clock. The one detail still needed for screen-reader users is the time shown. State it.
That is 2:21
